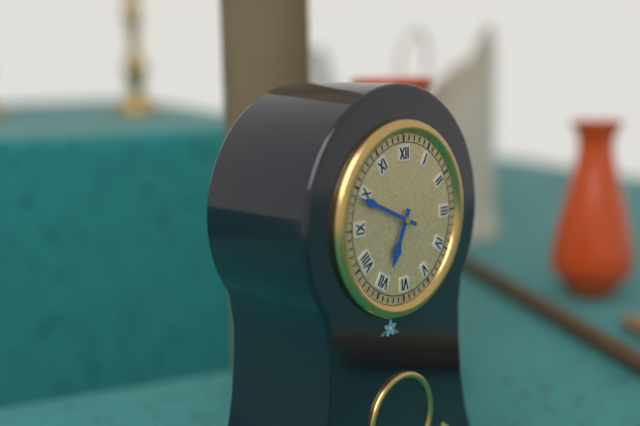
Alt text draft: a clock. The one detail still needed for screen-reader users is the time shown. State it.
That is 6:49
